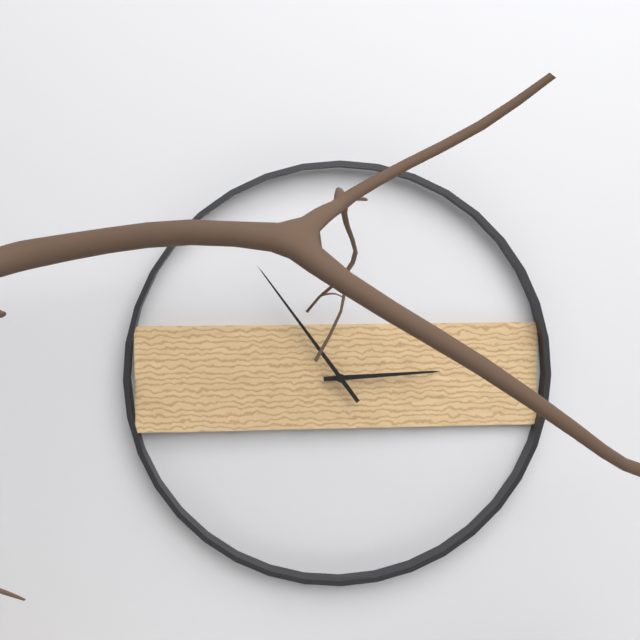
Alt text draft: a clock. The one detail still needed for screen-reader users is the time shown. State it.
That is 2:54
